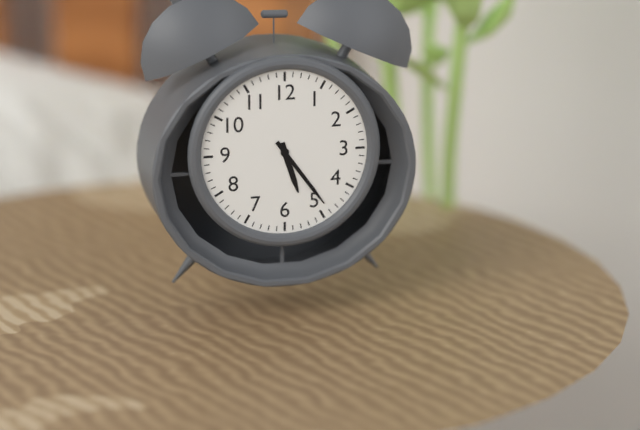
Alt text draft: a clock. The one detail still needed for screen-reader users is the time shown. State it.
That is 5:24
